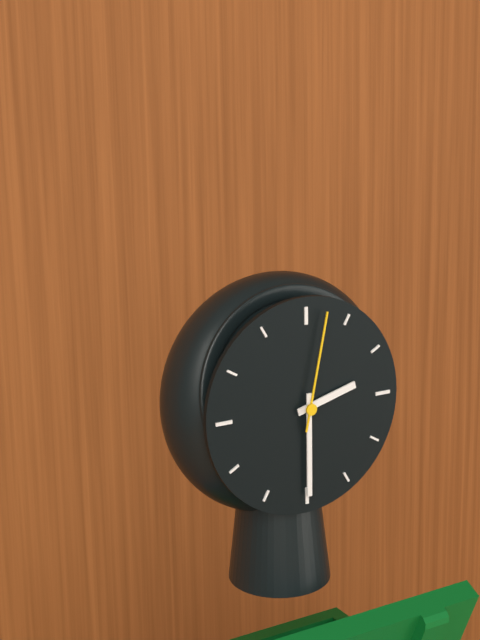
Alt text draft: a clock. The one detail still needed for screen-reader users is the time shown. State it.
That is 2:30:02
